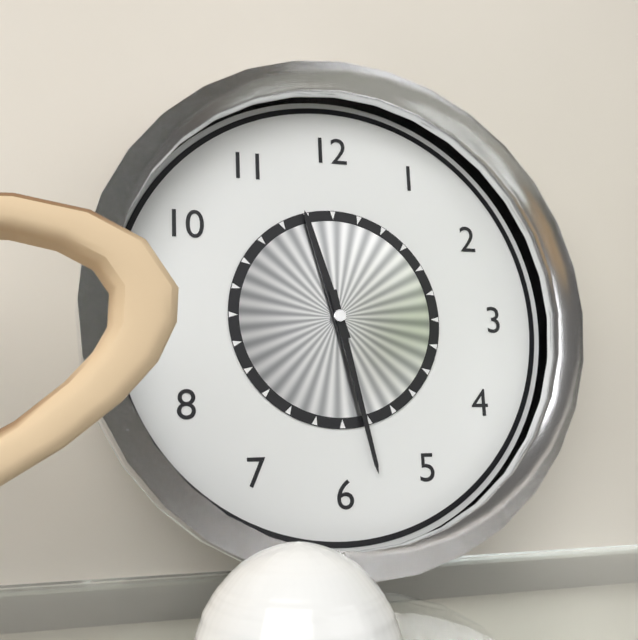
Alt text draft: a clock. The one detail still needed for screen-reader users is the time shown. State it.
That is 11:28
